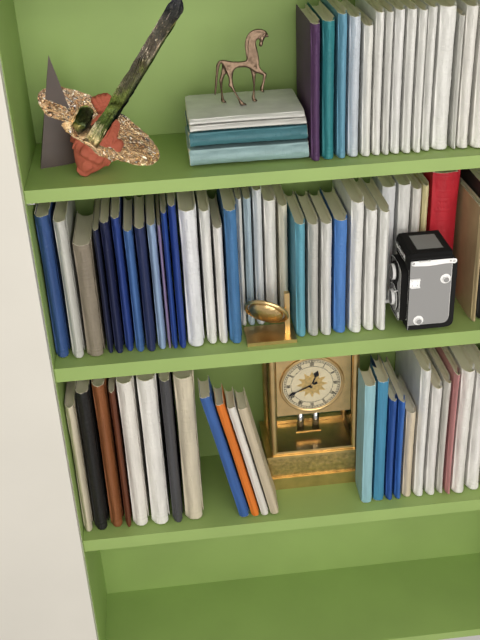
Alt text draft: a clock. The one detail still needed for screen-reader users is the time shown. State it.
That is 12:41
